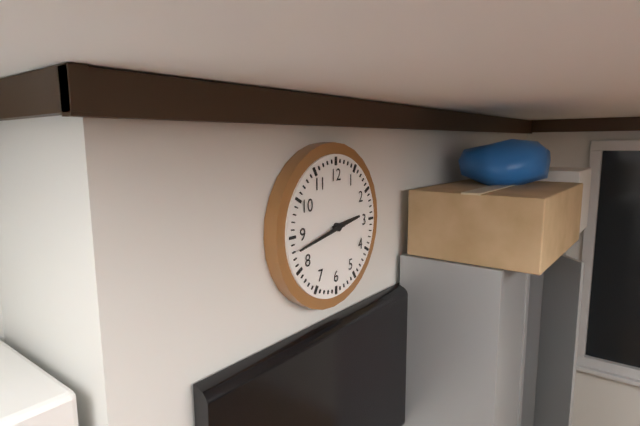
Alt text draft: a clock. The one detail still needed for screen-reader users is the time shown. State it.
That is 2:43
